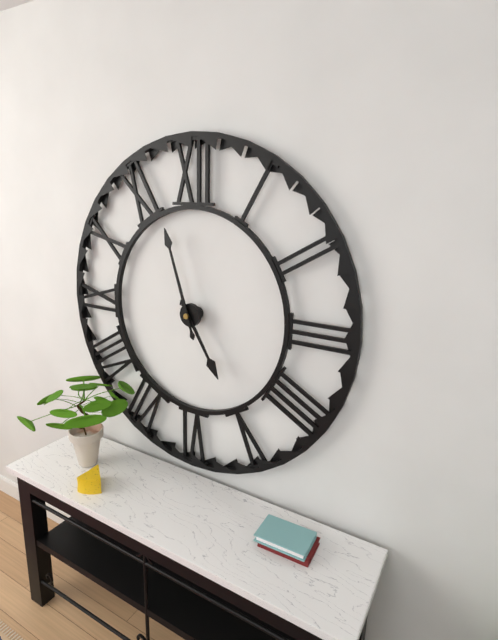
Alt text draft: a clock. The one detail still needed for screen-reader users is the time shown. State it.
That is 4:57
